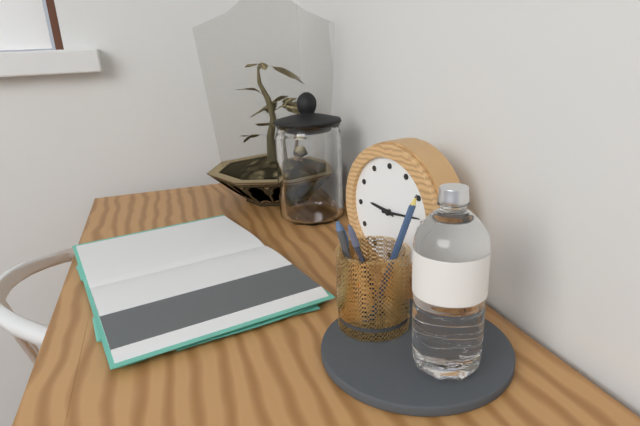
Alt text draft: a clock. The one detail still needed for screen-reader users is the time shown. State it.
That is 9:14
